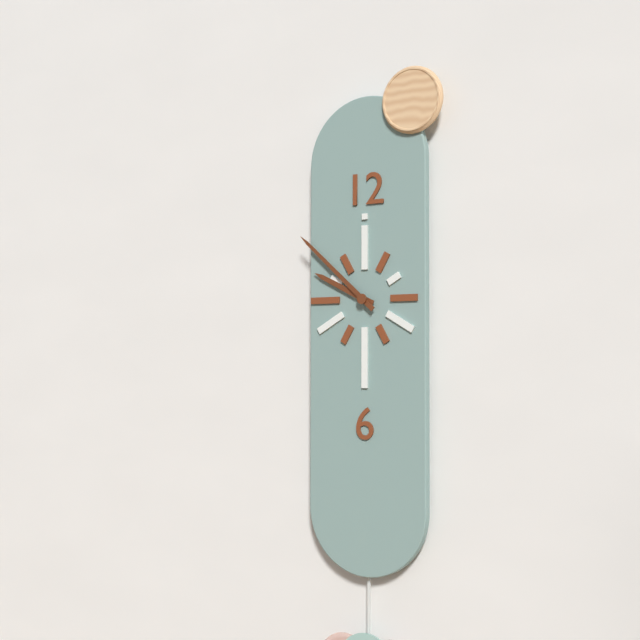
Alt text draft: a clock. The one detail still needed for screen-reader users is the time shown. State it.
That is 9:52
